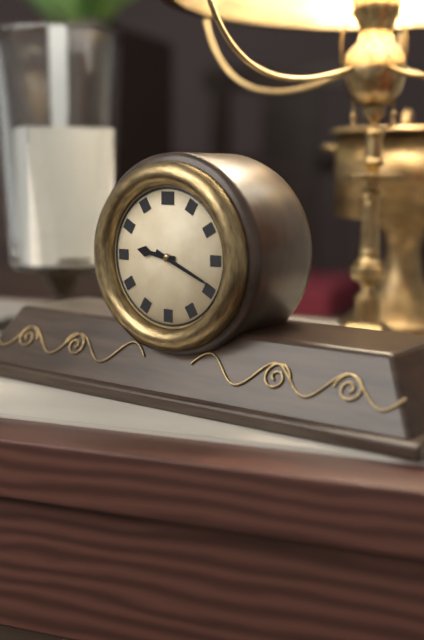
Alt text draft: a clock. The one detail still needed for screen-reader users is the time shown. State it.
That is 9:19
